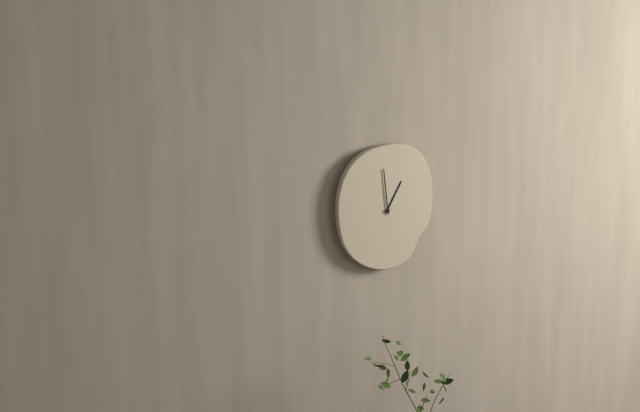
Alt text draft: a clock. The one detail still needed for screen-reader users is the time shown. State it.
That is 12:59
